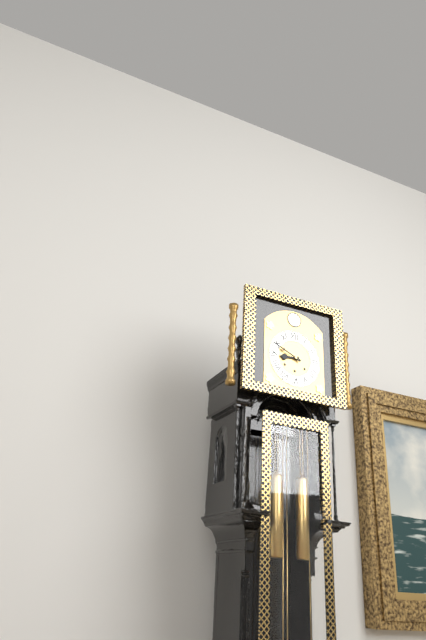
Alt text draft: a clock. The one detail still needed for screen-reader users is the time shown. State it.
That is 8:49
